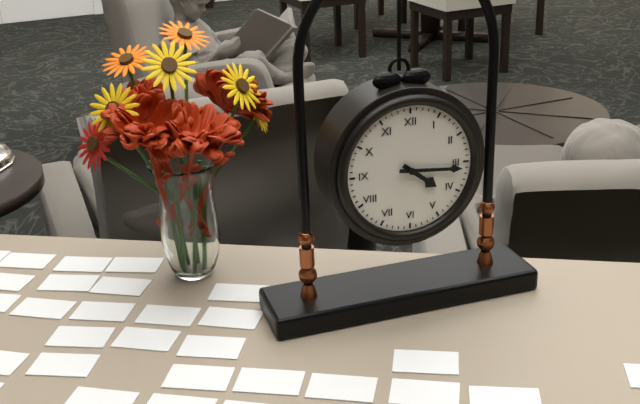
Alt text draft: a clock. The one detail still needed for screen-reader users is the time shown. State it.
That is 4:16
